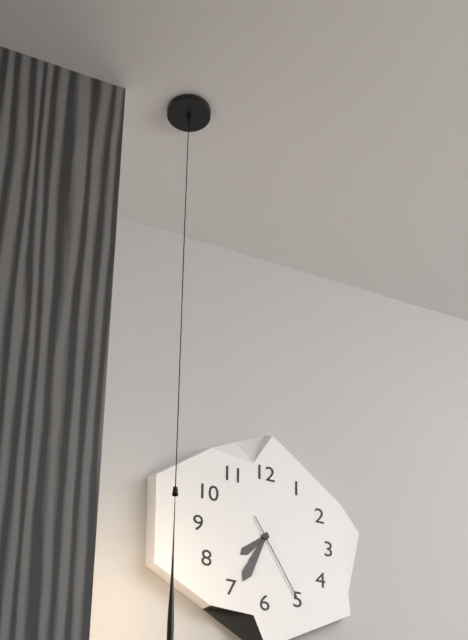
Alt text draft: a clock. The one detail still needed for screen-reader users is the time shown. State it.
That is 7:34:25
